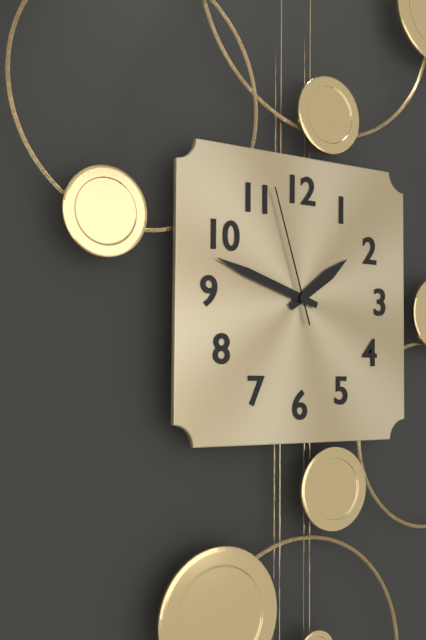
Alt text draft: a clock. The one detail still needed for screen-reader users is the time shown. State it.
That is 1:48:57
